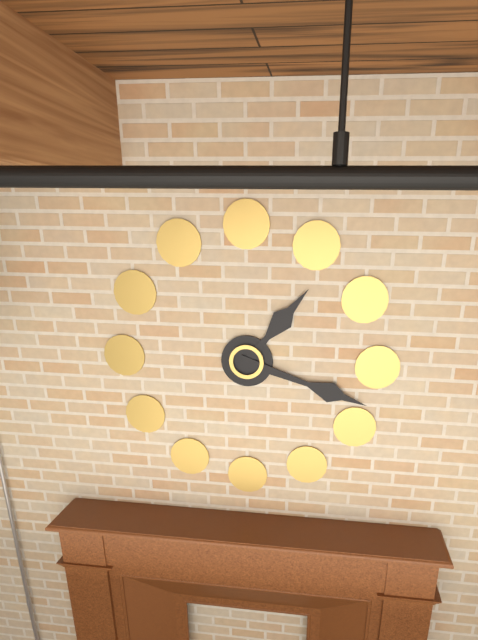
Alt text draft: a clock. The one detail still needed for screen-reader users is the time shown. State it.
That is 1:18
